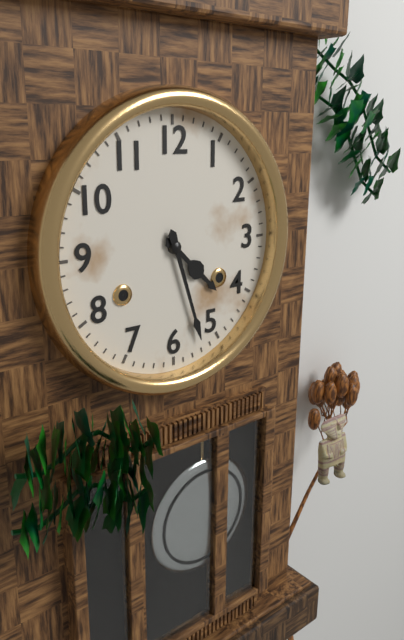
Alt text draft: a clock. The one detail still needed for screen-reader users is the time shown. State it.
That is 4:27
